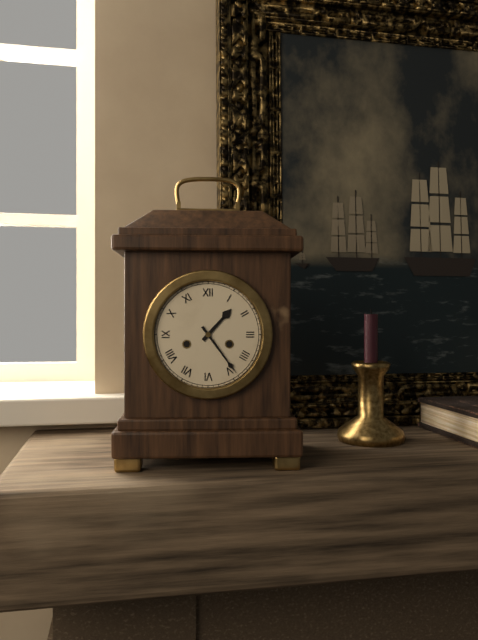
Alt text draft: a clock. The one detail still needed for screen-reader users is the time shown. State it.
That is 1:24
